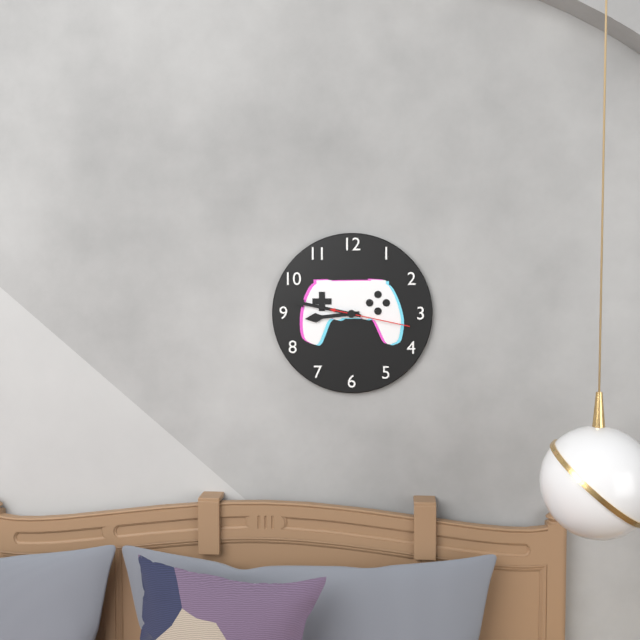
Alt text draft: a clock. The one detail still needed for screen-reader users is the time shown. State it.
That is 8:47:17
